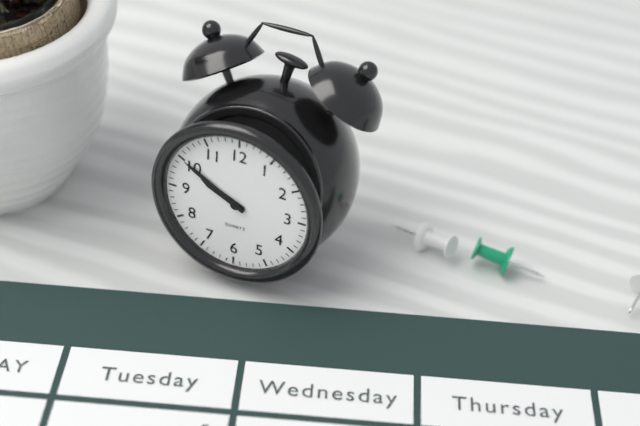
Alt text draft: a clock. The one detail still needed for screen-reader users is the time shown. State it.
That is 9:50
